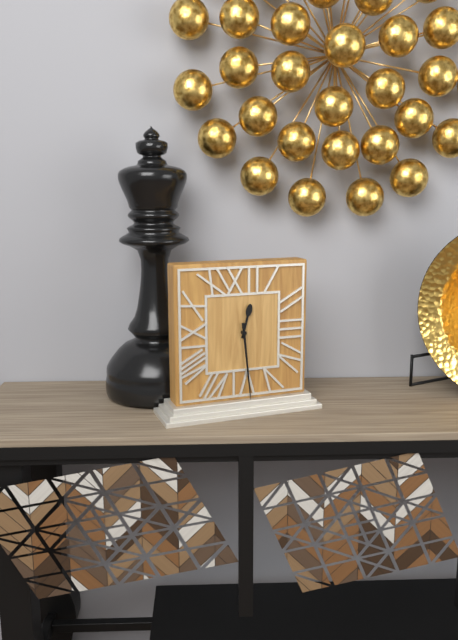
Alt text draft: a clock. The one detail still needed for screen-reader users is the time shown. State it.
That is 12:29
